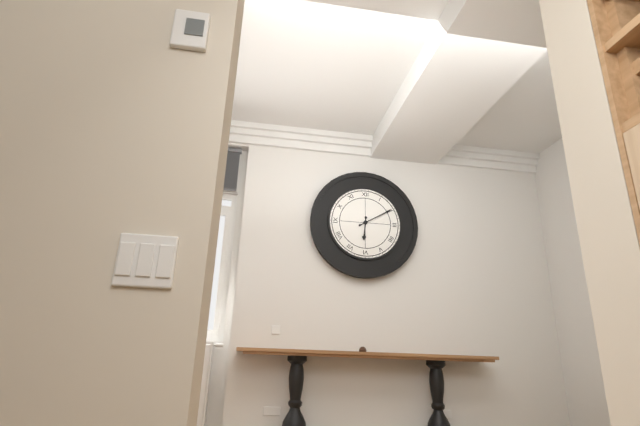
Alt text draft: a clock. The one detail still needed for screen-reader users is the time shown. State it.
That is 6:10
